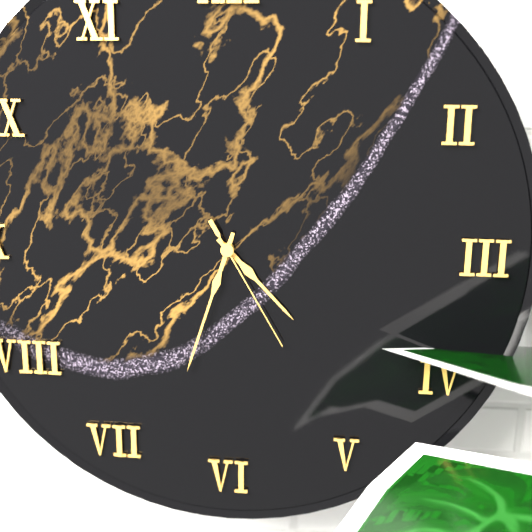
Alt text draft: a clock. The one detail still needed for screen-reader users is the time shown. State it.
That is 4:33:25
